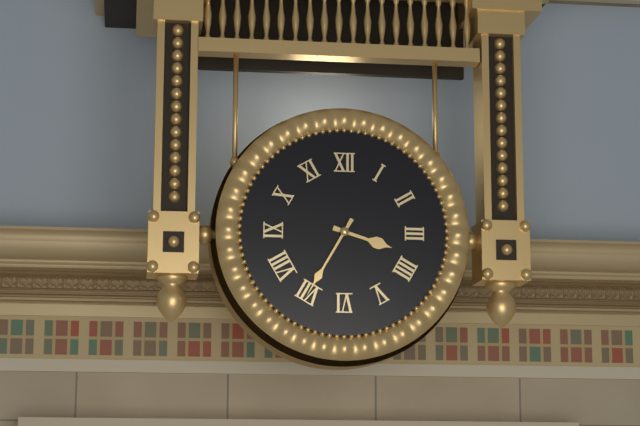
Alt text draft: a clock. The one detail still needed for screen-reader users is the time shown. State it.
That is 3:35
